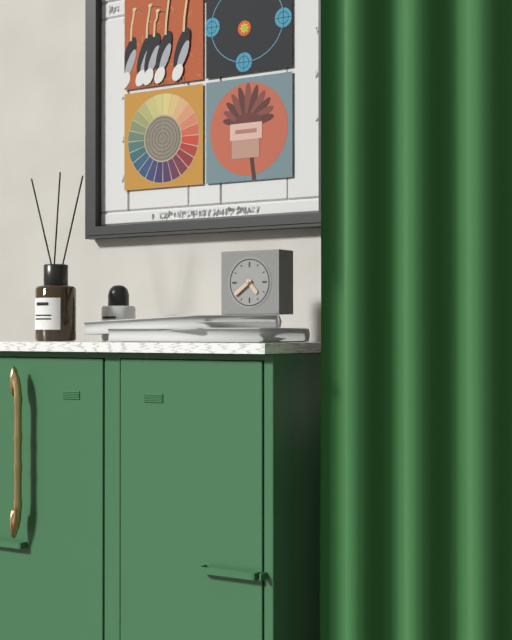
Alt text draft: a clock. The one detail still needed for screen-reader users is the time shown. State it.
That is 4:39
